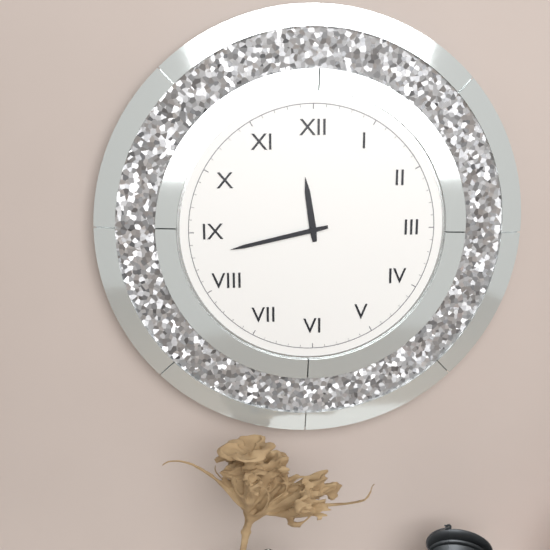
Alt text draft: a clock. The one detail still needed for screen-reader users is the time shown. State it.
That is 11:43
